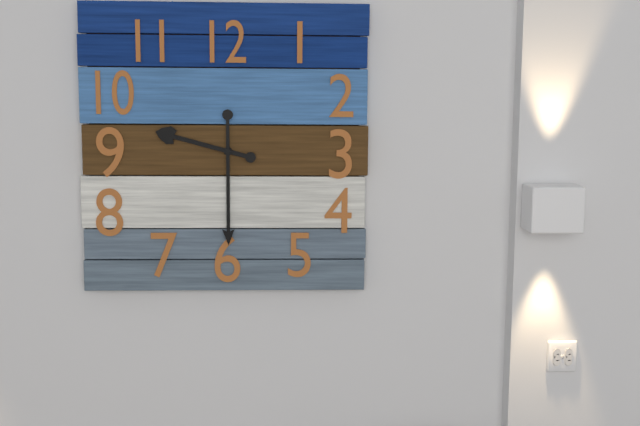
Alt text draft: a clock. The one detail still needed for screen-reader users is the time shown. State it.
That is 9:30
